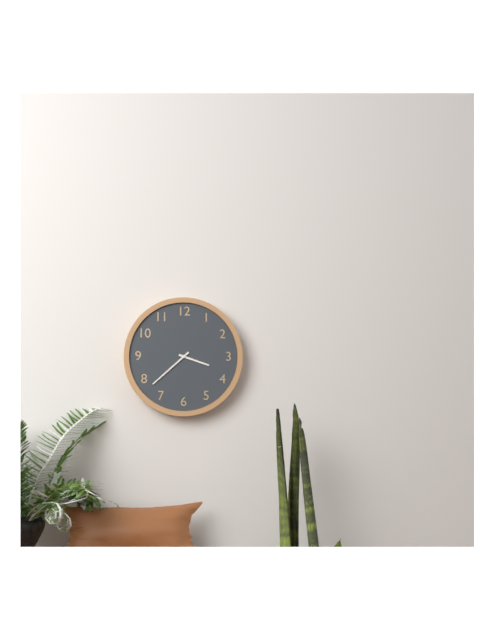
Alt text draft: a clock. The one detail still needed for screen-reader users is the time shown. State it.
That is 3:38
